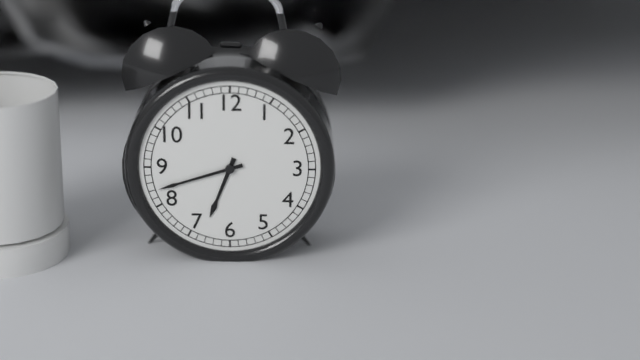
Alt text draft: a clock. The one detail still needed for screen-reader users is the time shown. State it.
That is 6:42
